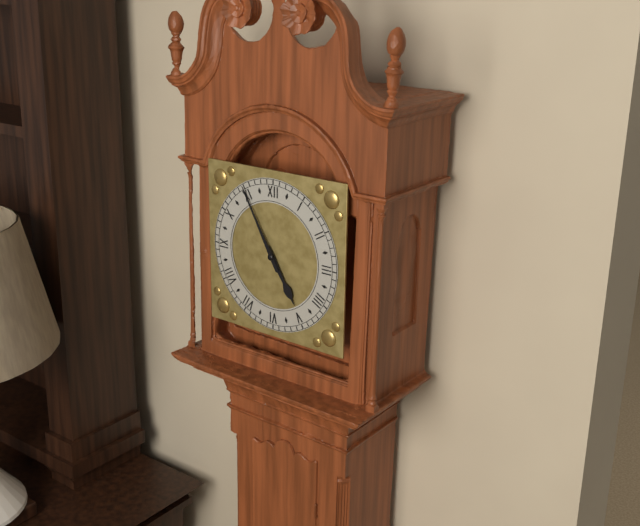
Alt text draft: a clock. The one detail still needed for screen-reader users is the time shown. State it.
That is 4:55
